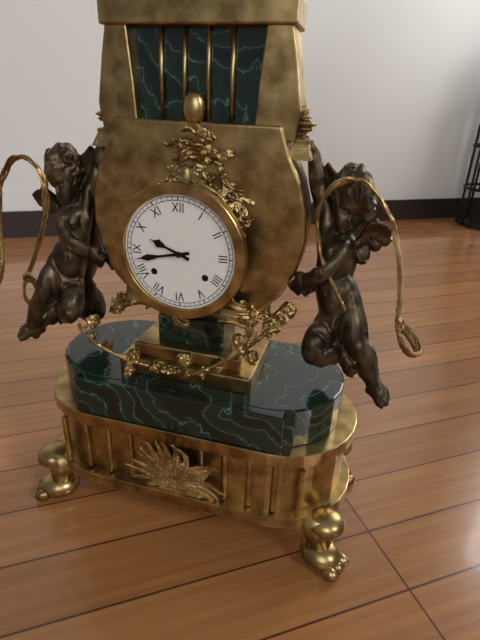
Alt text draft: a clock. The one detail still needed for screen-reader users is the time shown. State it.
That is 9:43
